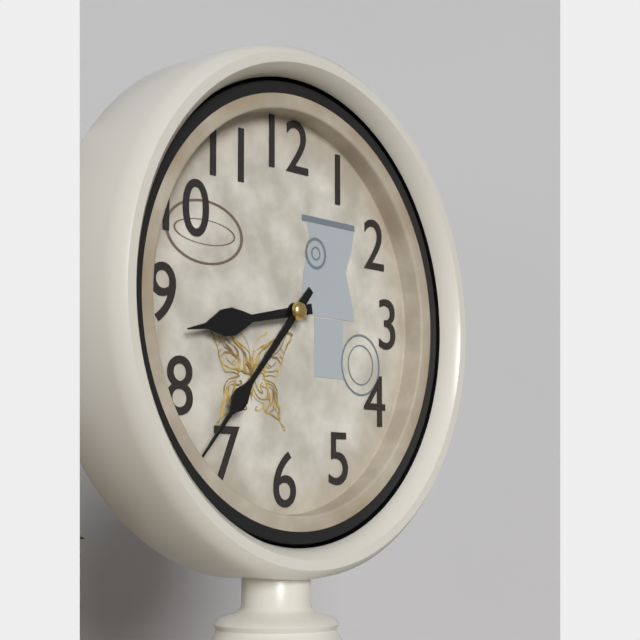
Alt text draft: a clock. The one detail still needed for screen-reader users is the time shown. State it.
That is 8:37
